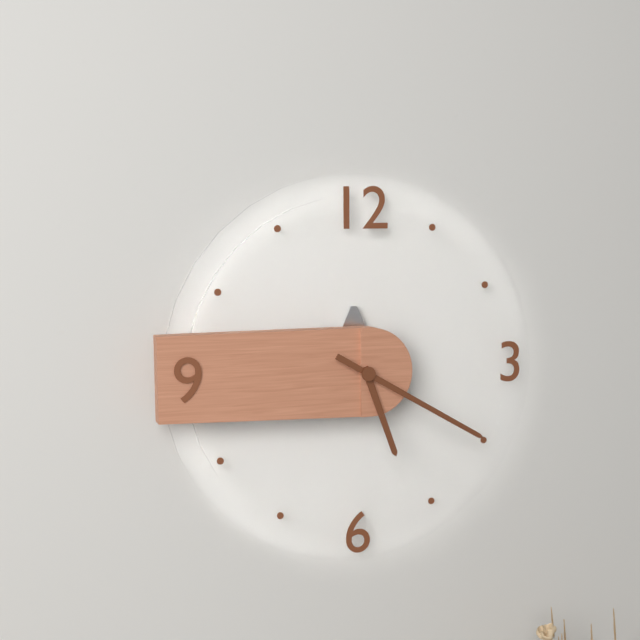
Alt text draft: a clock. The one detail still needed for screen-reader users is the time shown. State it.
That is 5:20
